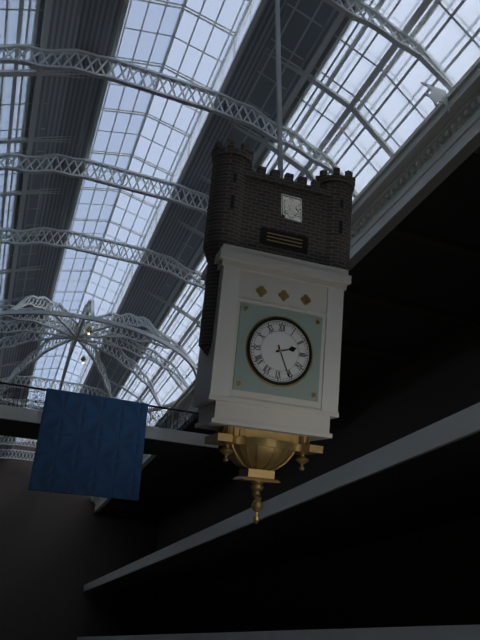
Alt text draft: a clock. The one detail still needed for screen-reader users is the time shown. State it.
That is 2:26
